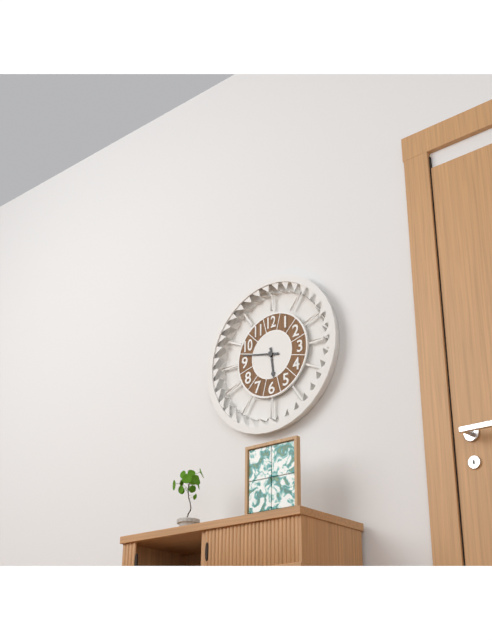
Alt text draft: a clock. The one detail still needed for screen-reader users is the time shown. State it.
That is 5:47
